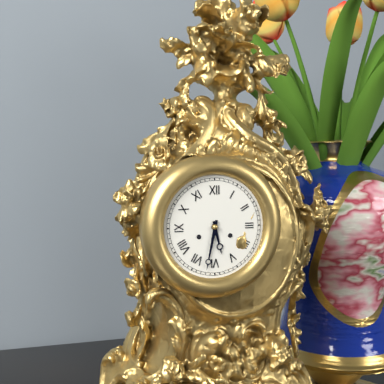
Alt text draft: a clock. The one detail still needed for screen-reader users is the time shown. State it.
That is 5:32
